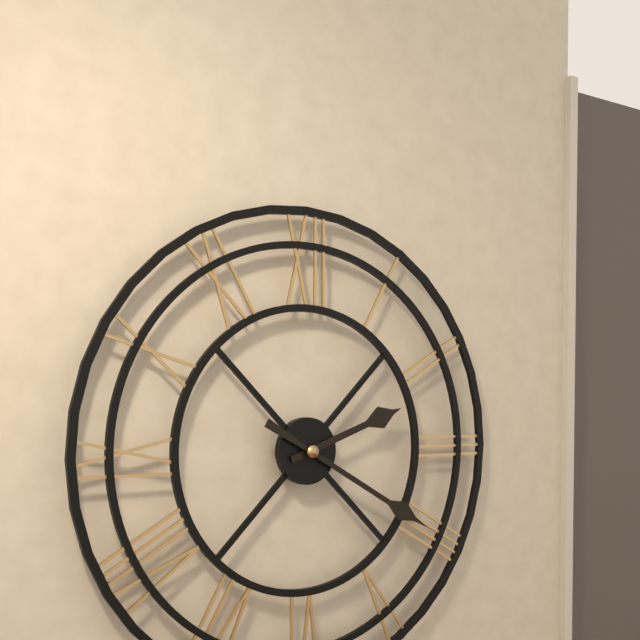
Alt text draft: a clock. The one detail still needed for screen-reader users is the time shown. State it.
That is 2:20
